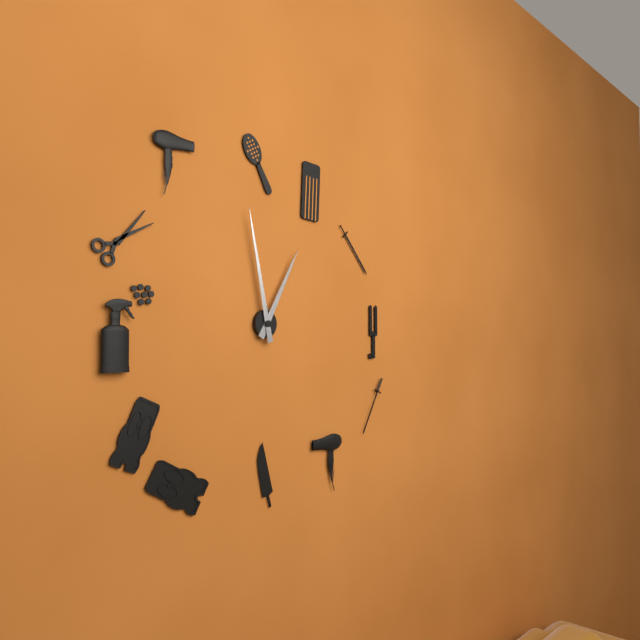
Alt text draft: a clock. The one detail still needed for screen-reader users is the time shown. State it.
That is 12:58
